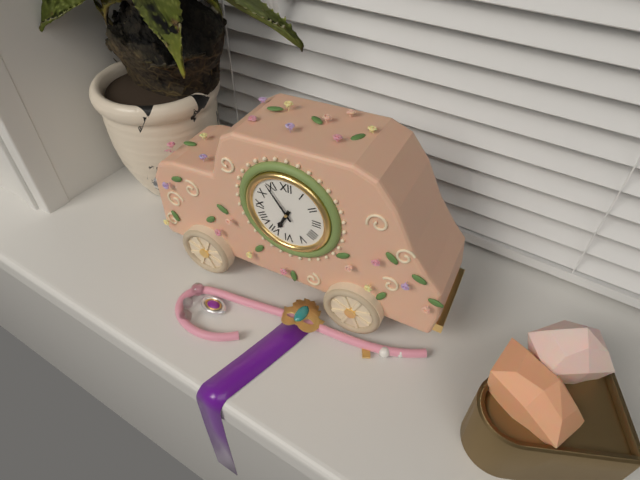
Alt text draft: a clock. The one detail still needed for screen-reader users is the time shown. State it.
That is 6:54
